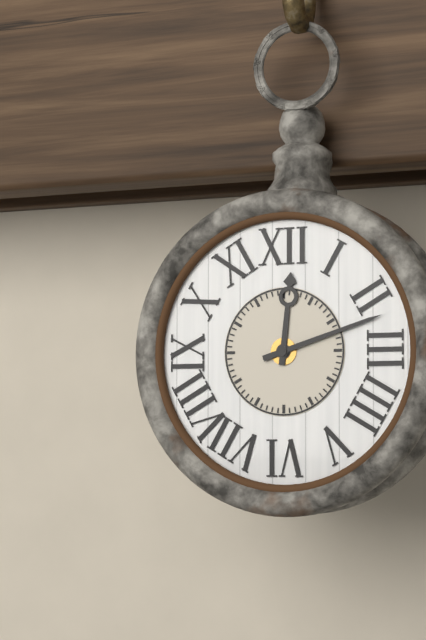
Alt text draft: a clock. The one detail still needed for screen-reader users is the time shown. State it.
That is 12:12
